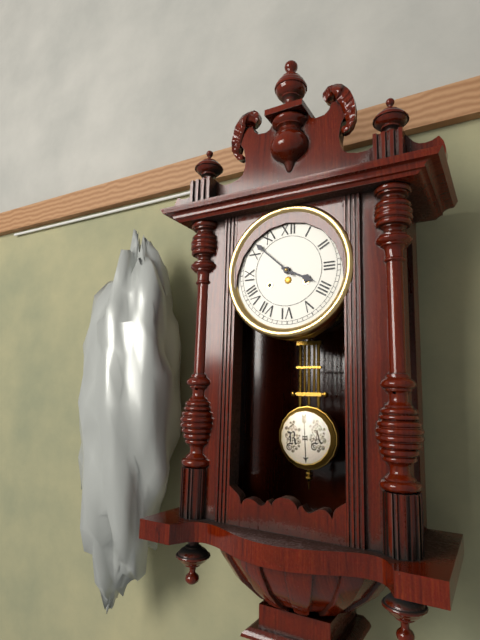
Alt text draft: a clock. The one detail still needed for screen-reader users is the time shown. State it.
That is 3:52
